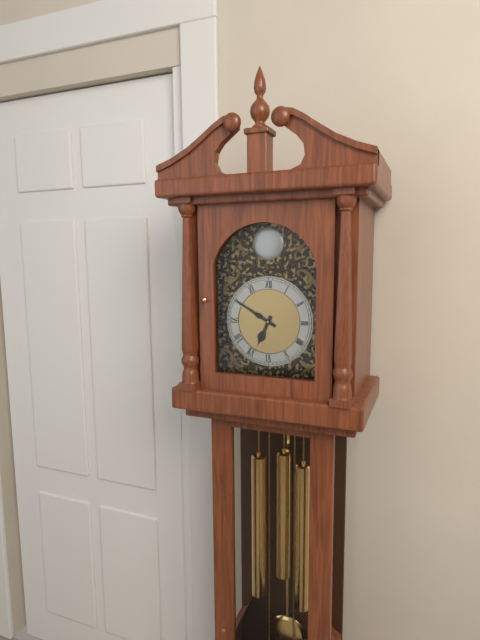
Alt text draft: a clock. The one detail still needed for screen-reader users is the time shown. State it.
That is 6:50
